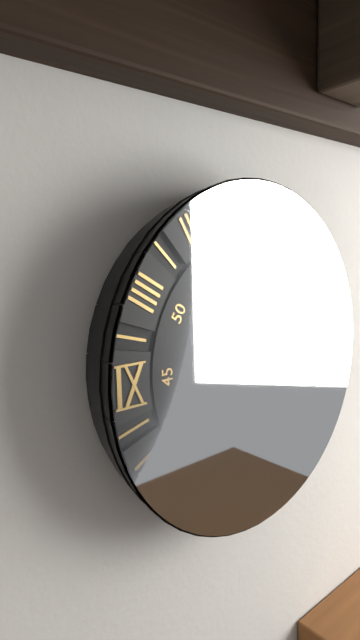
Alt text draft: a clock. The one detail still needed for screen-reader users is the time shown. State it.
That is 10:57
